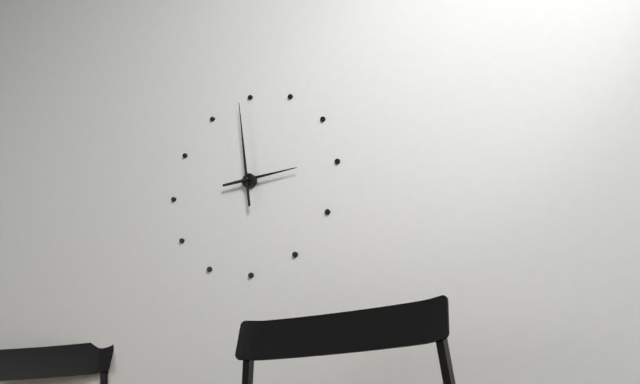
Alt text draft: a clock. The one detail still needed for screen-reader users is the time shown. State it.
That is 2:59
